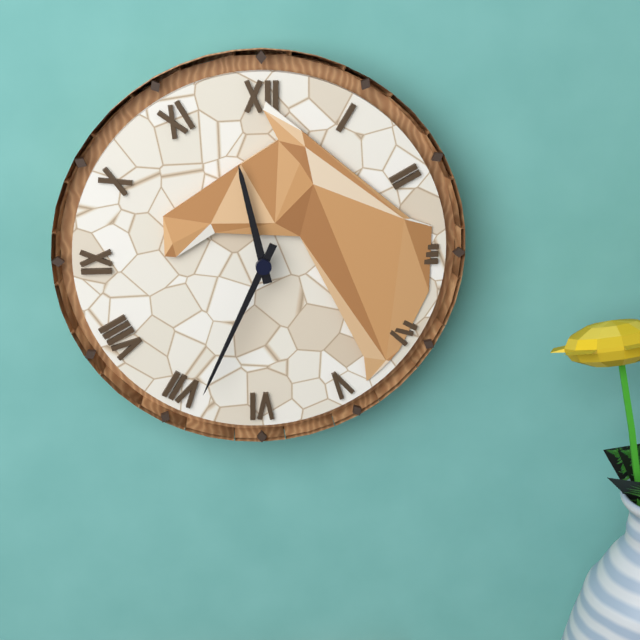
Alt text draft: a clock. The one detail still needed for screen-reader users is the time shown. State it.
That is 11:34
